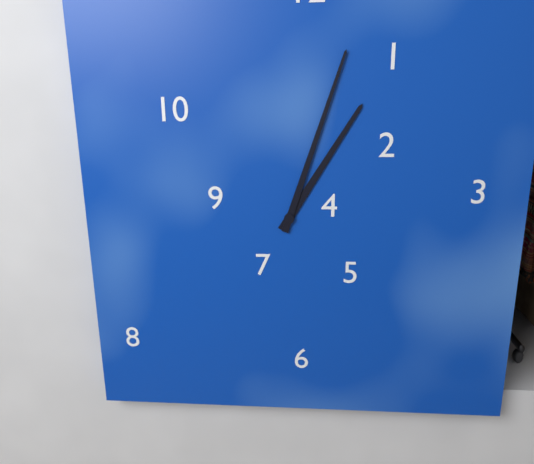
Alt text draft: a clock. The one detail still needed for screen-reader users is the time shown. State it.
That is 1:03
